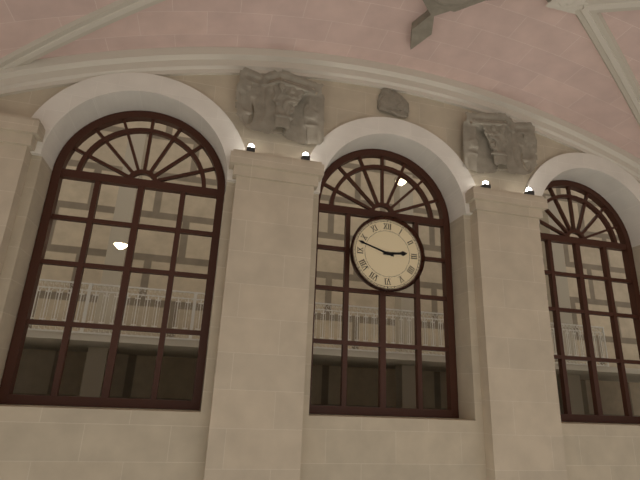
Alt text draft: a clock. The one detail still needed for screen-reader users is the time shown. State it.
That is 2:48
